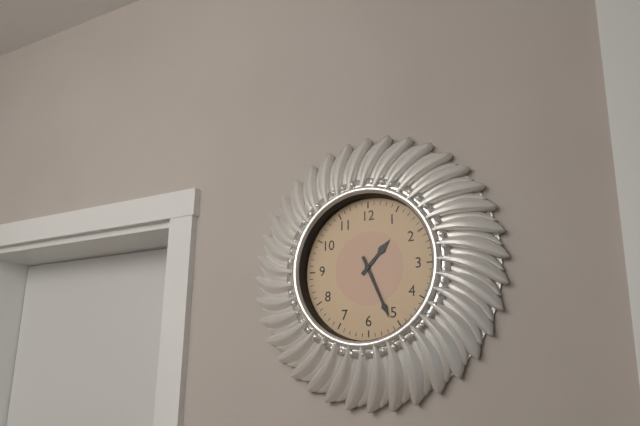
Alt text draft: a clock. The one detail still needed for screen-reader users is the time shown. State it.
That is 1:26
